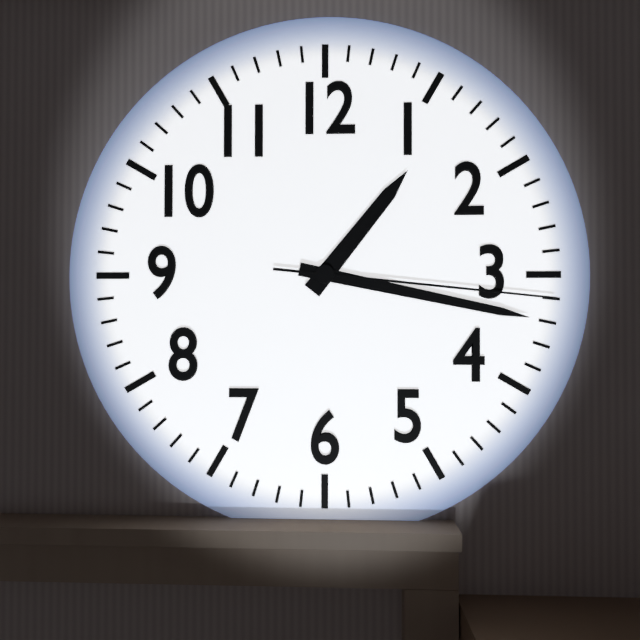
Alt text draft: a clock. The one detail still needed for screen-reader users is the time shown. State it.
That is 1:17:16
